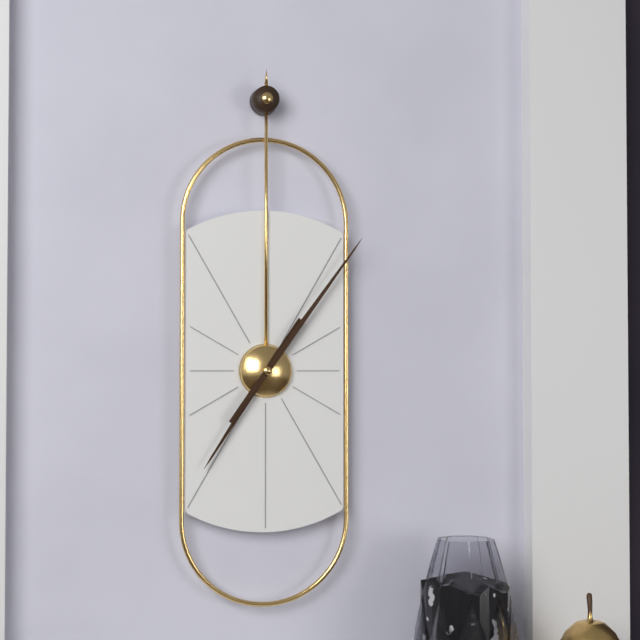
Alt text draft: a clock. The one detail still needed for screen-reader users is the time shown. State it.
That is 7:06
